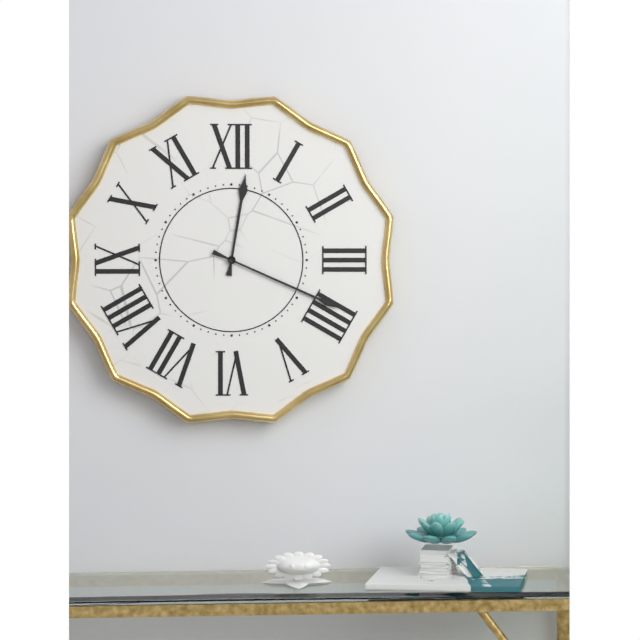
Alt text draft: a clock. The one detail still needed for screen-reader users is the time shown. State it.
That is 12:19
